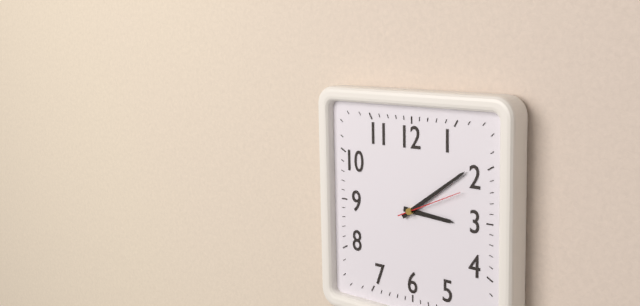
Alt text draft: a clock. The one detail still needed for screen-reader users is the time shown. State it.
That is 3:09:11
